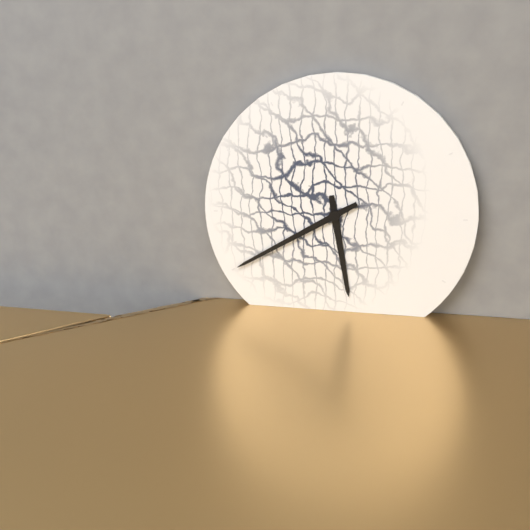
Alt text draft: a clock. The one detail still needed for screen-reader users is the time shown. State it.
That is 5:40
